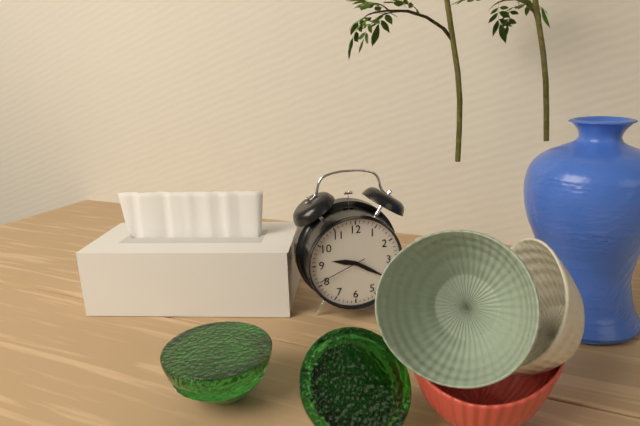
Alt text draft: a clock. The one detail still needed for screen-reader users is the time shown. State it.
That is 9:20:41
